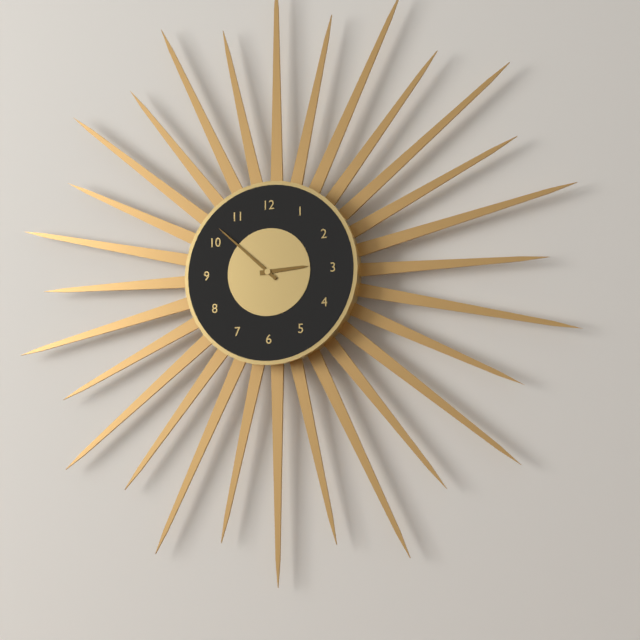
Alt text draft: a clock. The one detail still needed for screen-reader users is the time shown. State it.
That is 2:52
